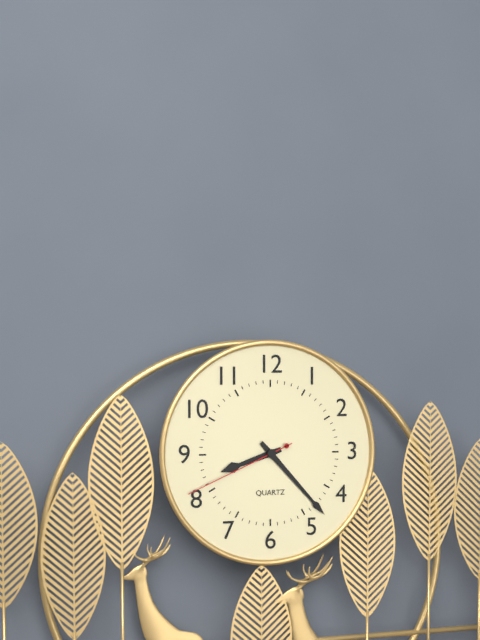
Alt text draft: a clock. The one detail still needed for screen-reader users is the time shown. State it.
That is 8:23:41
